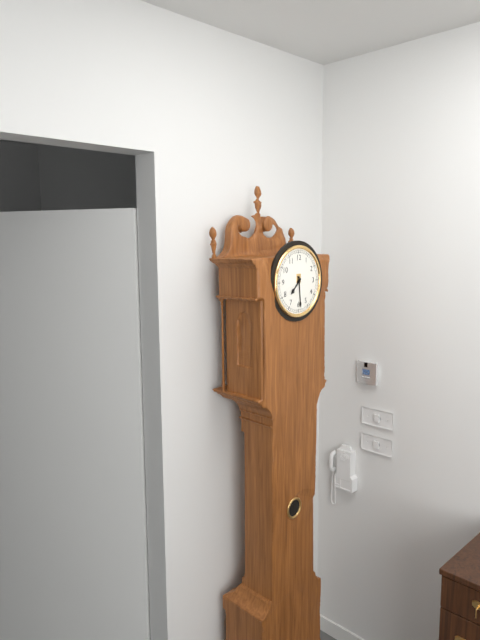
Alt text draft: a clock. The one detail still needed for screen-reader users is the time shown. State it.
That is 7:29
